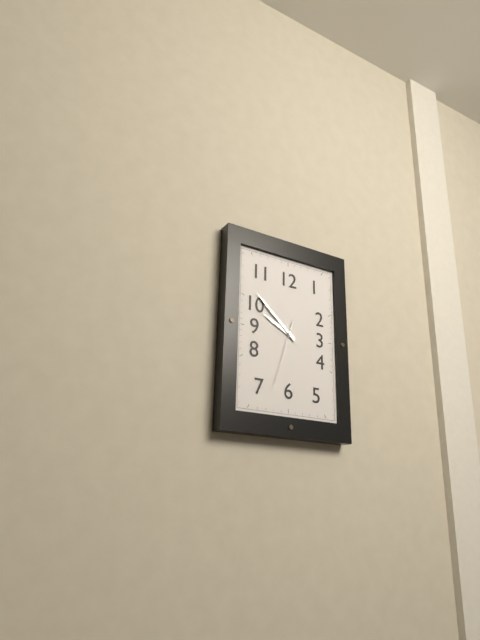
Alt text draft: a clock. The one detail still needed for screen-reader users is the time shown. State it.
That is 9:52:33
